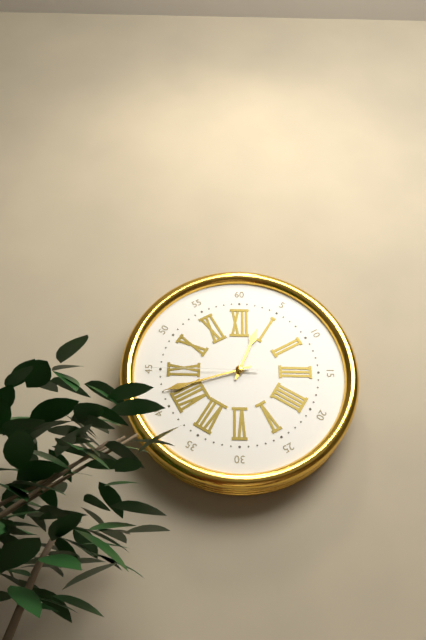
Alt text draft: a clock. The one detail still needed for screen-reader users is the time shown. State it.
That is 12:42:45
